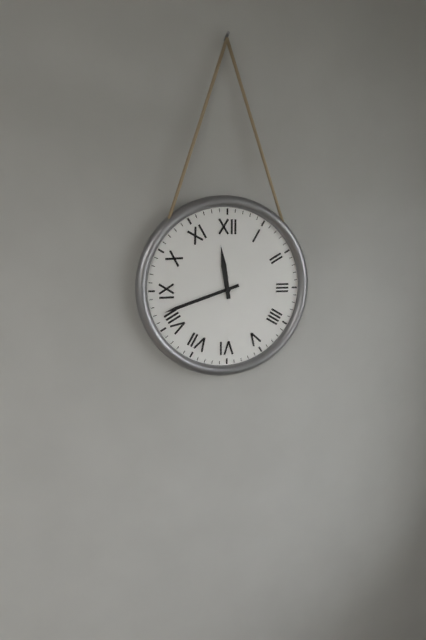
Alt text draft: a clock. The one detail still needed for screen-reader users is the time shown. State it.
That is 11:42
